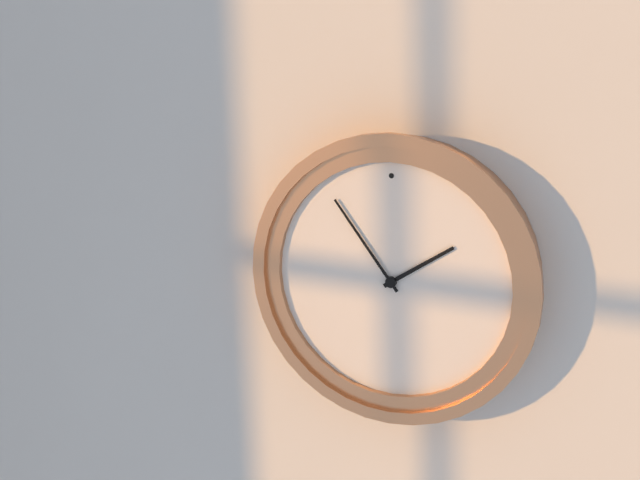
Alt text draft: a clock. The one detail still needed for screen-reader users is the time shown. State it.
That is 1:54
